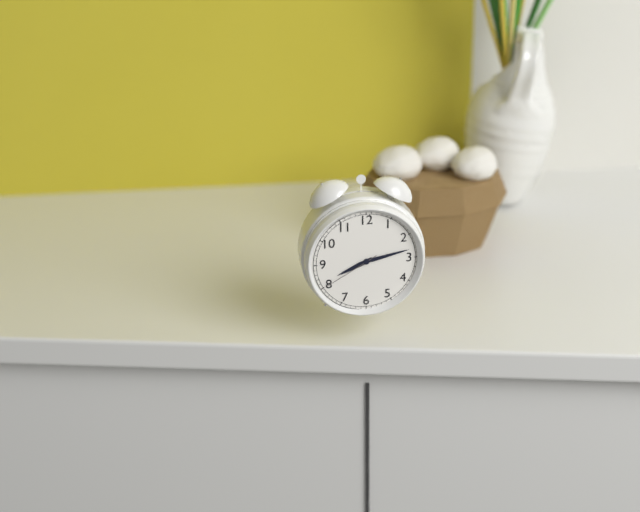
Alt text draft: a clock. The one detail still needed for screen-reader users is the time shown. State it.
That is 8:13:40
